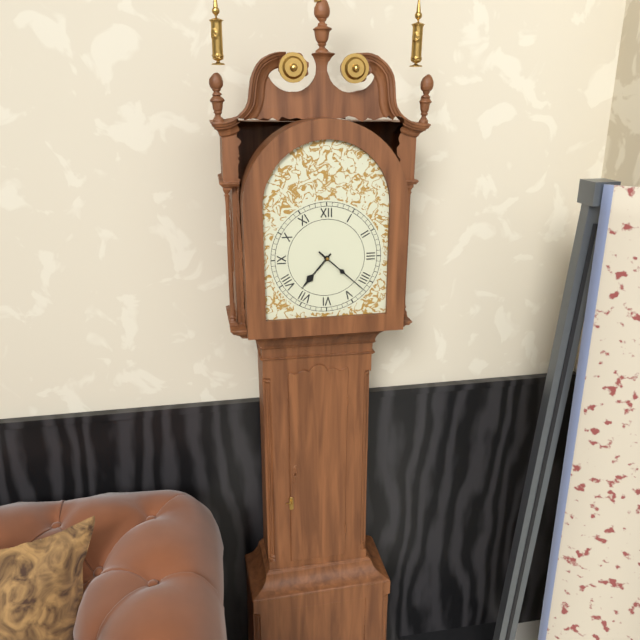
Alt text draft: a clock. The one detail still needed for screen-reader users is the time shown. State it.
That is 7:22
